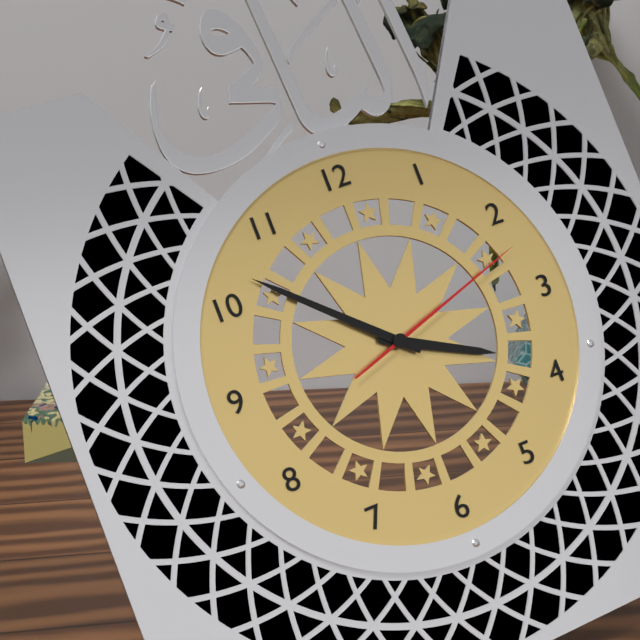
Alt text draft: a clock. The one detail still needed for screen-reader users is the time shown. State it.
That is 3:52:12
